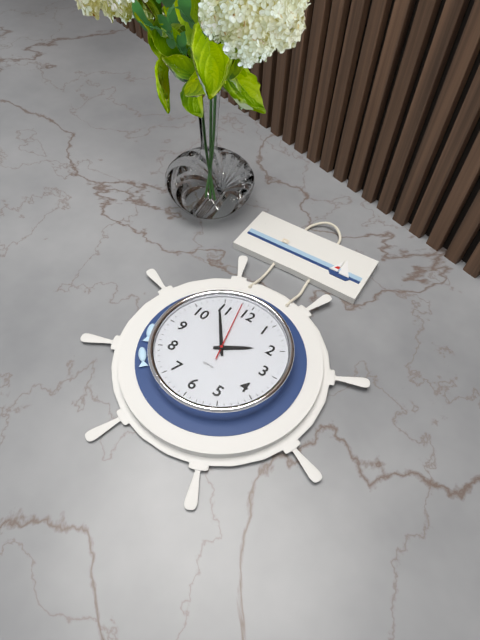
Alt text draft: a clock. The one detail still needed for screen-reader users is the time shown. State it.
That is 1:54:58
